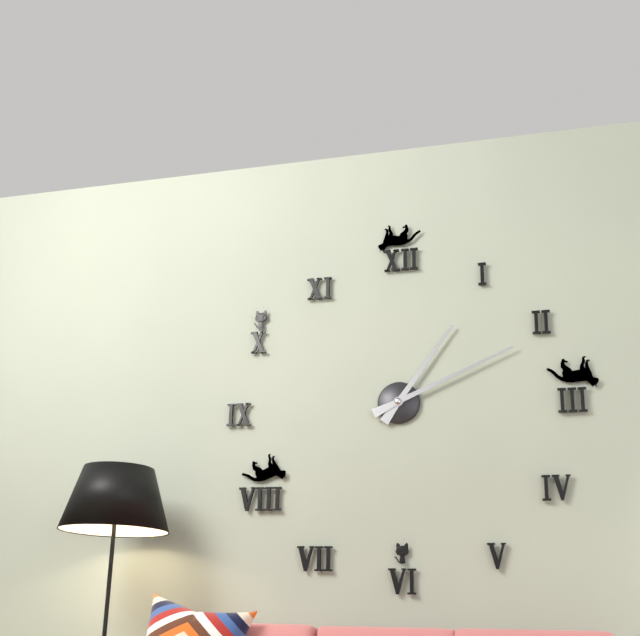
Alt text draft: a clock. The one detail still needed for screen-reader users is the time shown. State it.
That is 1:11
